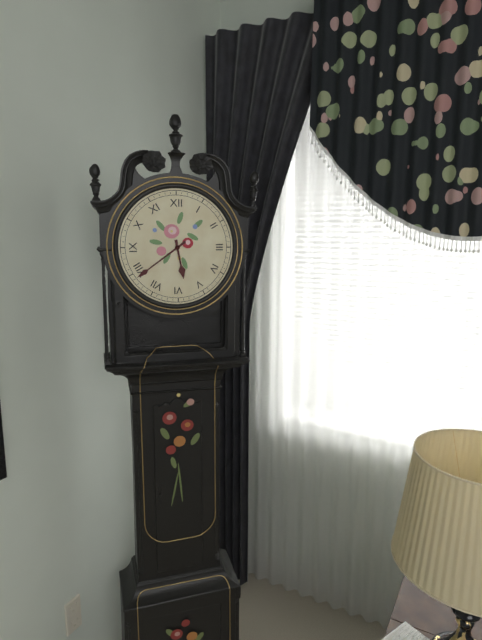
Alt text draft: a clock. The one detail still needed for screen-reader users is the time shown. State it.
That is 5:39
